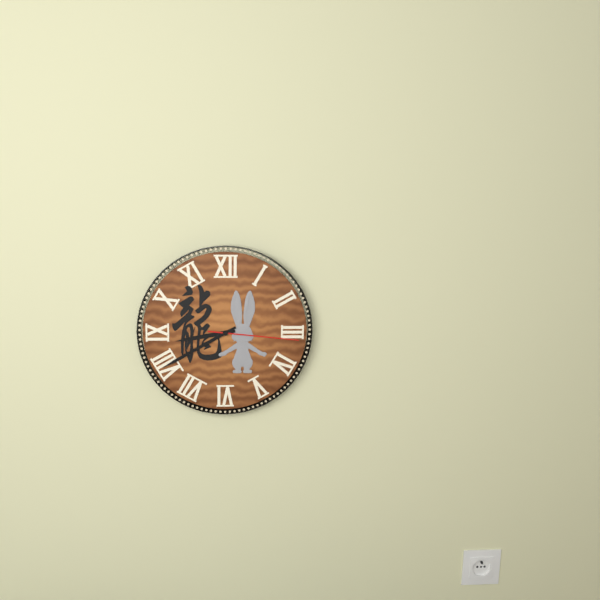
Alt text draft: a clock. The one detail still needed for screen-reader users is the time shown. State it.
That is 8:40:16
